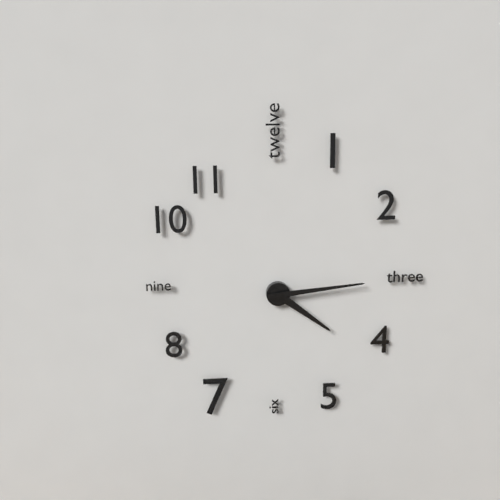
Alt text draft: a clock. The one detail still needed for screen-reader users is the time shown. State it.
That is 4:14
